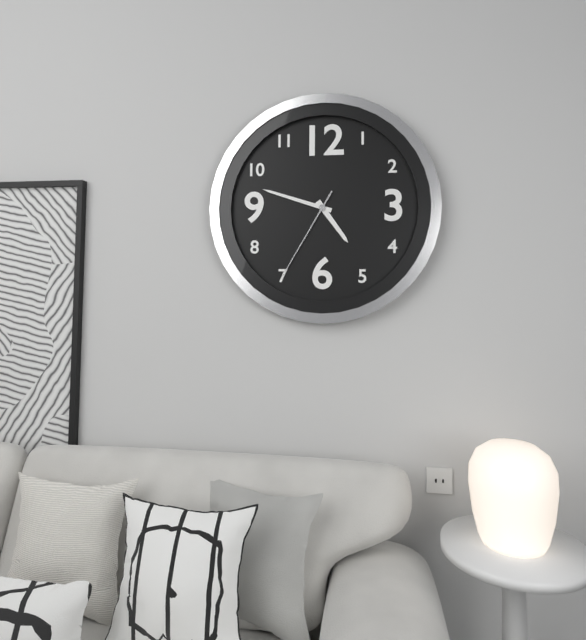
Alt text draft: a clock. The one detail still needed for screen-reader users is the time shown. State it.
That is 4:48:35
